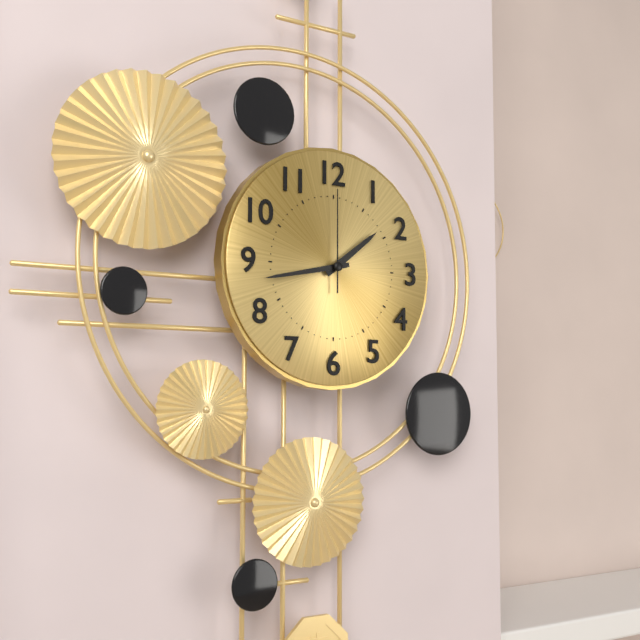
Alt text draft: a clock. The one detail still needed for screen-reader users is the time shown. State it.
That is 1:43:00
